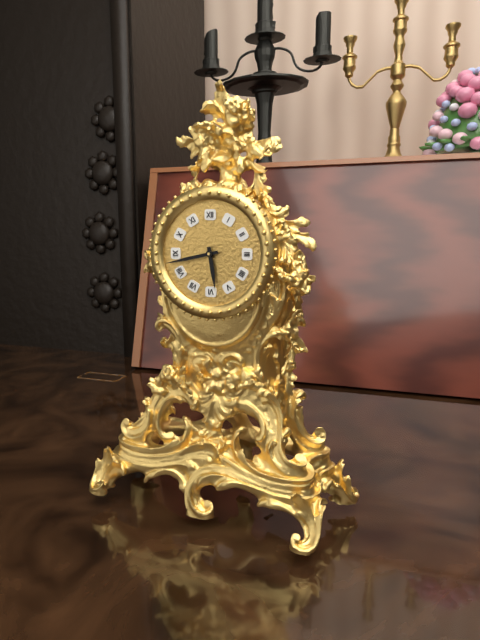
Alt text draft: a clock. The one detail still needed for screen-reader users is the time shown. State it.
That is 5:43
